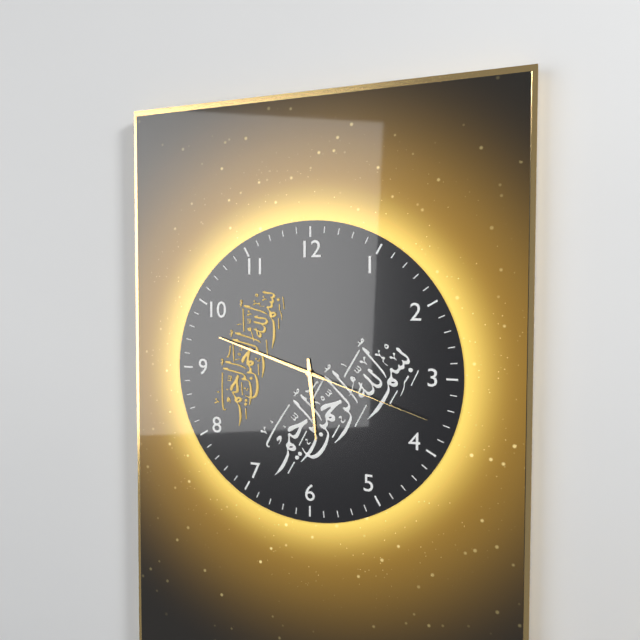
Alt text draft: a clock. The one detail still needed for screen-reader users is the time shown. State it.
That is 5:48:18
